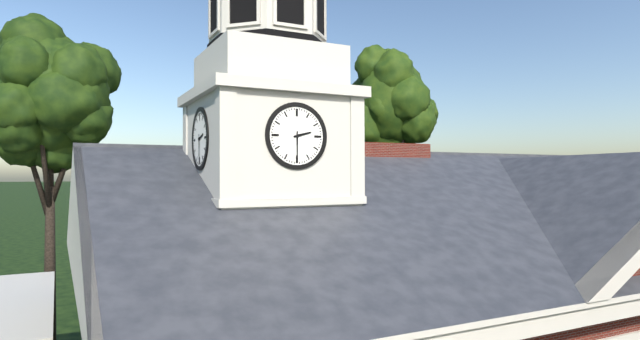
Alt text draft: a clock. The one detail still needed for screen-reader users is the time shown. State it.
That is 2:30
